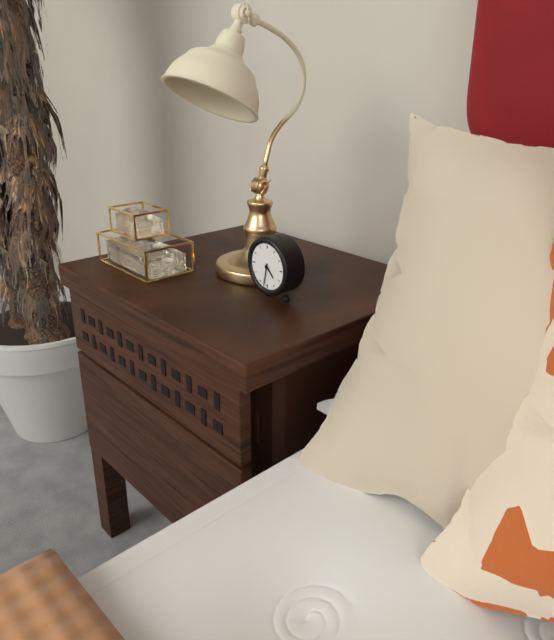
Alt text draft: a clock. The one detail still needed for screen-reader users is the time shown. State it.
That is 4:32
